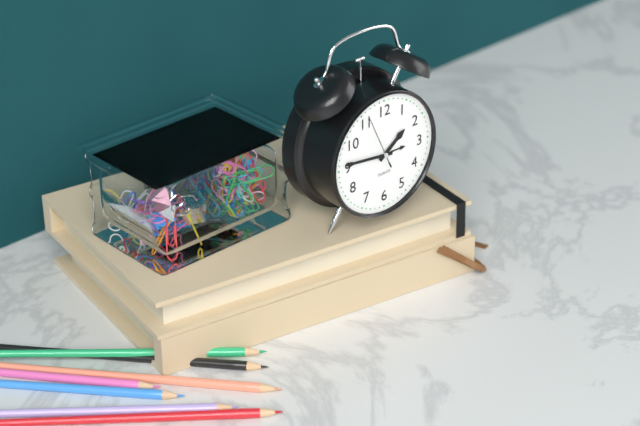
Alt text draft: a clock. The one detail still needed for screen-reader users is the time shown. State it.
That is 1:46:56
